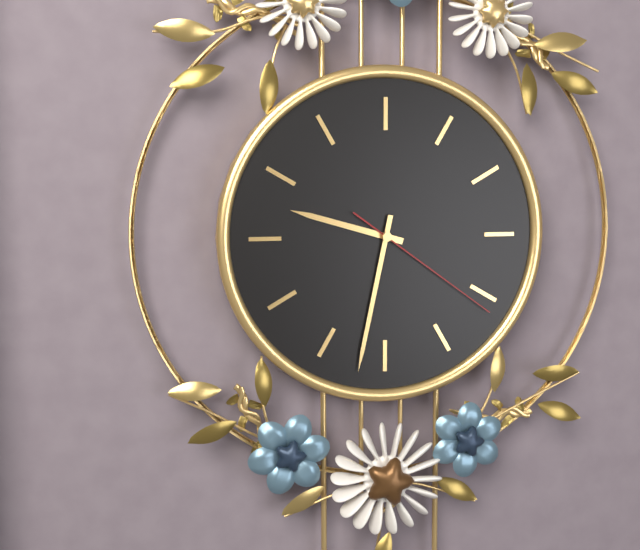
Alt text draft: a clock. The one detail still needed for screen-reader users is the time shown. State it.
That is 9:32:21
